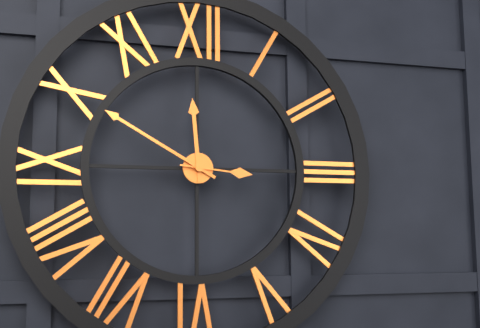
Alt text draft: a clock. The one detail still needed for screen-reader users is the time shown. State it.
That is 11:50:16
